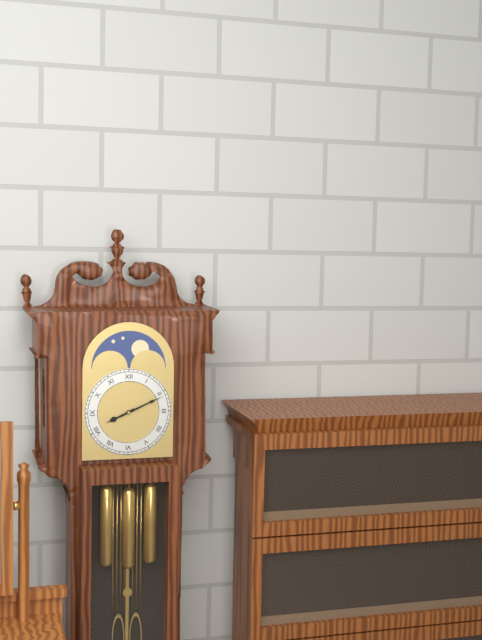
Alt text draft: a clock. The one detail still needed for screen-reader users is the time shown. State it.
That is 8:11
